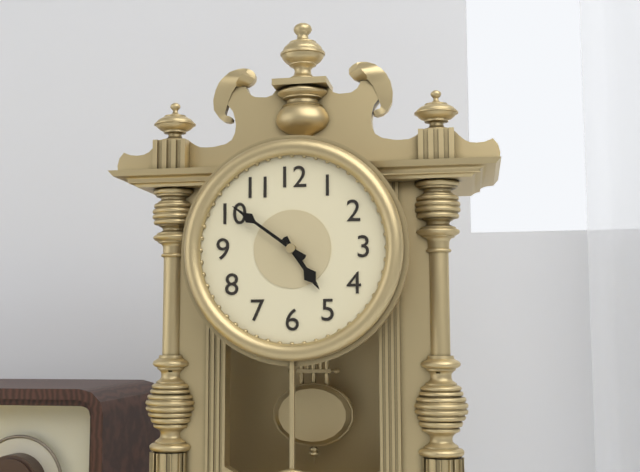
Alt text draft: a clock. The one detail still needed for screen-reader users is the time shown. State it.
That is 4:51
